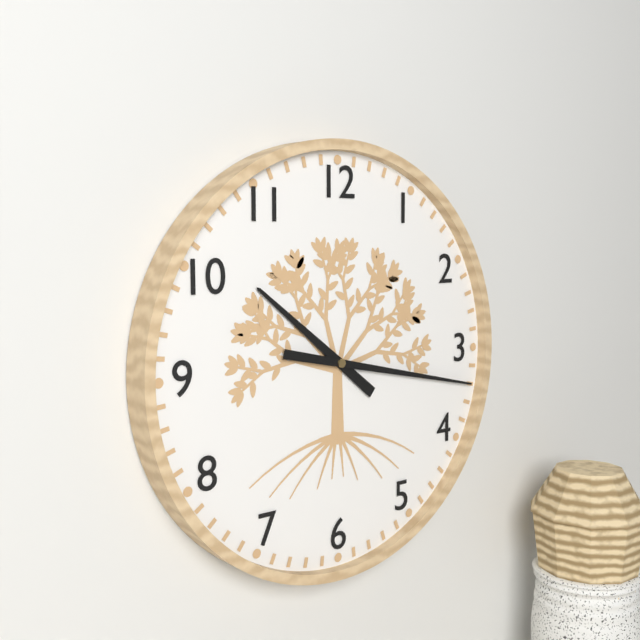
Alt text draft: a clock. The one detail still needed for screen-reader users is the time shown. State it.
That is 10:17
